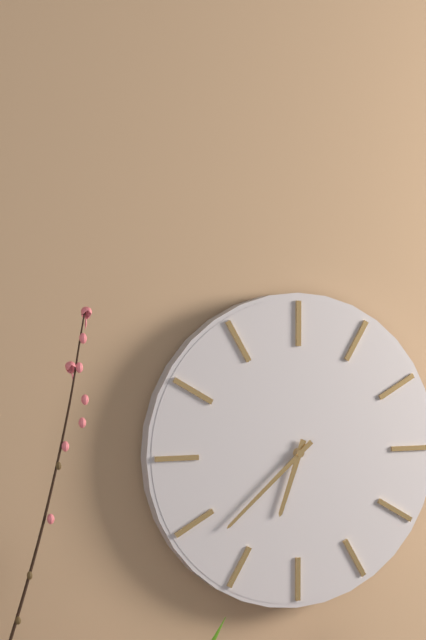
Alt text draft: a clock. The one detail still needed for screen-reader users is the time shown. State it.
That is 6:38
